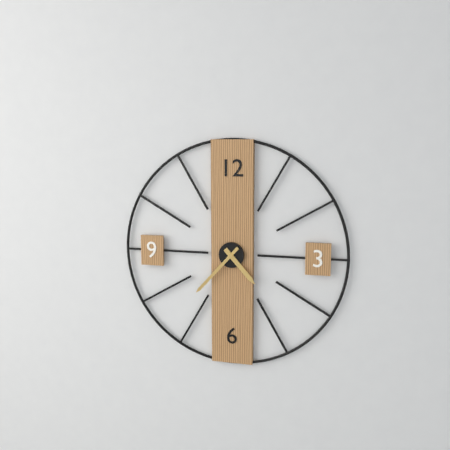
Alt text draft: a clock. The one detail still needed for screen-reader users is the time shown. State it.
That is 4:37
